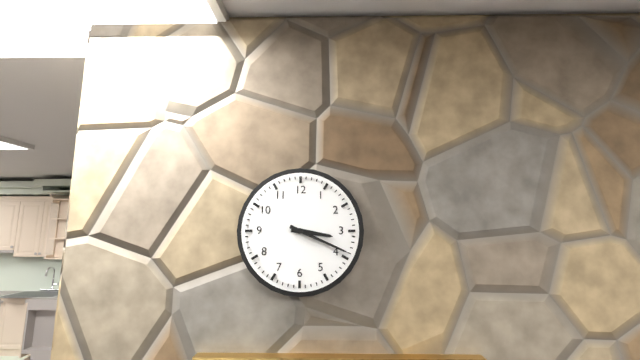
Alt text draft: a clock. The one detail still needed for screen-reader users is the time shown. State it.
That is 3:19
